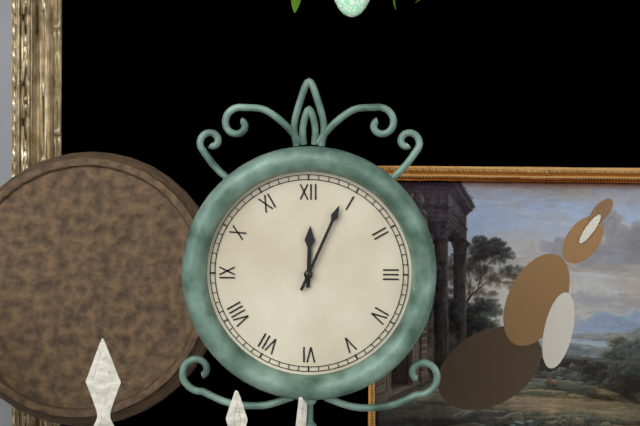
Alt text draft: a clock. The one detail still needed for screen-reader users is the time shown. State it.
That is 12:04
